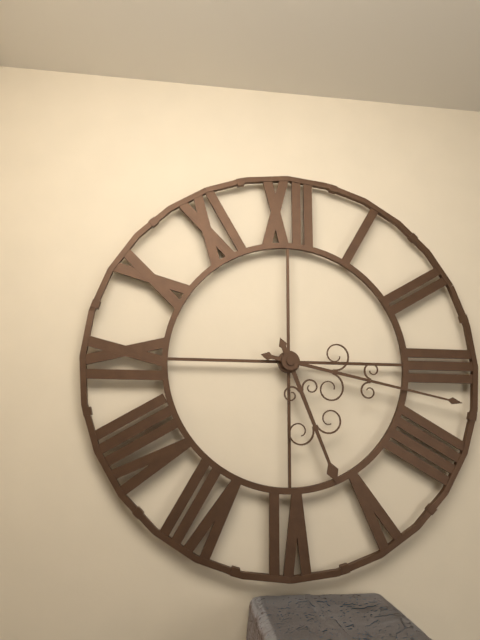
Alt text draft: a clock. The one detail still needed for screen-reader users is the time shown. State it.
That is 5:17
